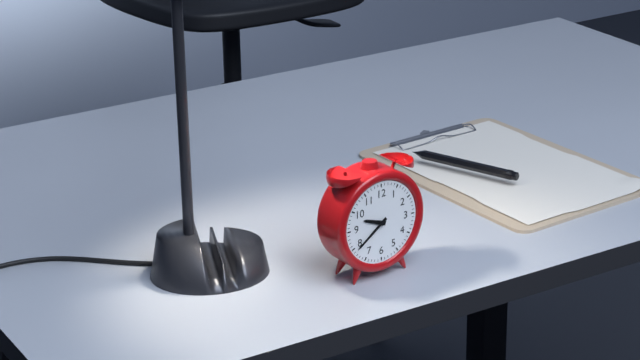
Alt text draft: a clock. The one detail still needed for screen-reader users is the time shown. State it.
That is 9:39
